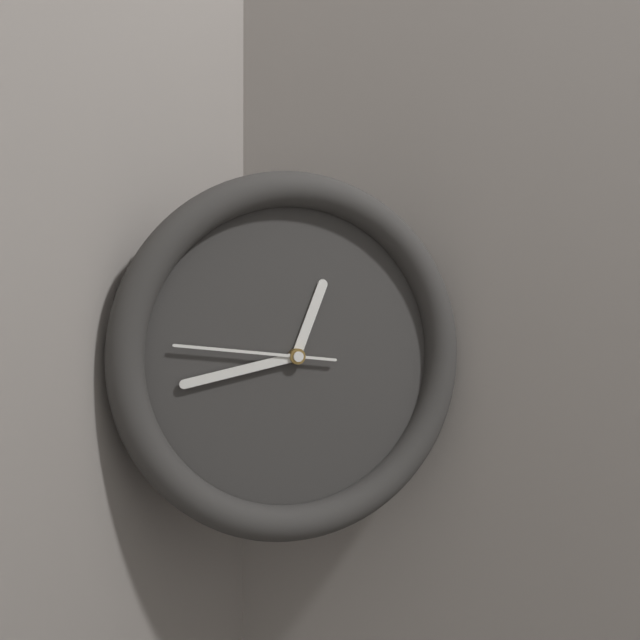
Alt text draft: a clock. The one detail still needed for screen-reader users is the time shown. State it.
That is 12:43:46
